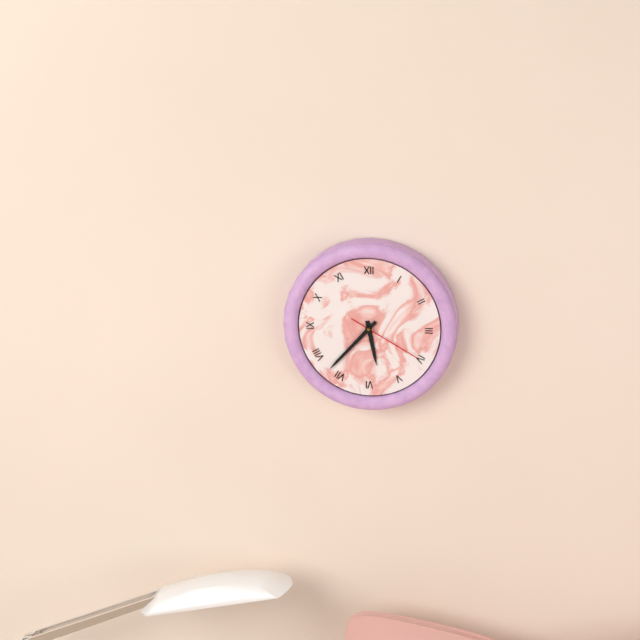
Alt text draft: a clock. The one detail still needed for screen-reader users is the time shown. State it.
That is 5:37:20
